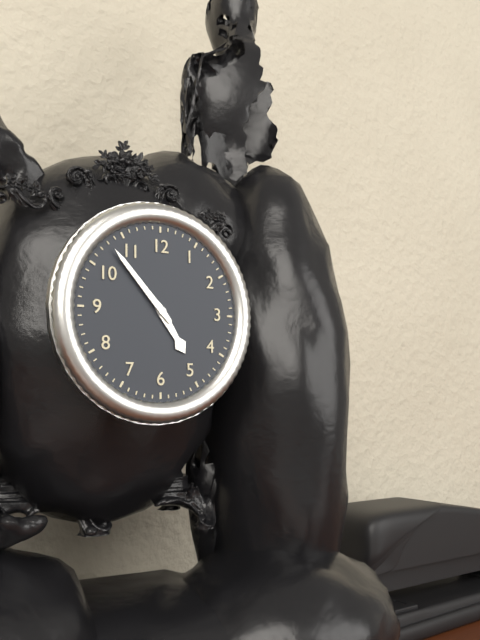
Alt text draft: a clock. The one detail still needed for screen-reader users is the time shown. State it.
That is 4:53
